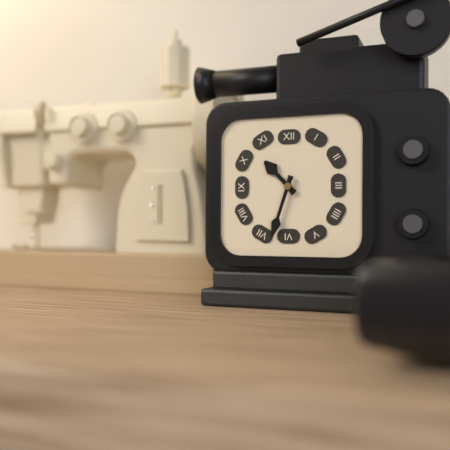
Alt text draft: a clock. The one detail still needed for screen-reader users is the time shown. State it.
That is 10:33
